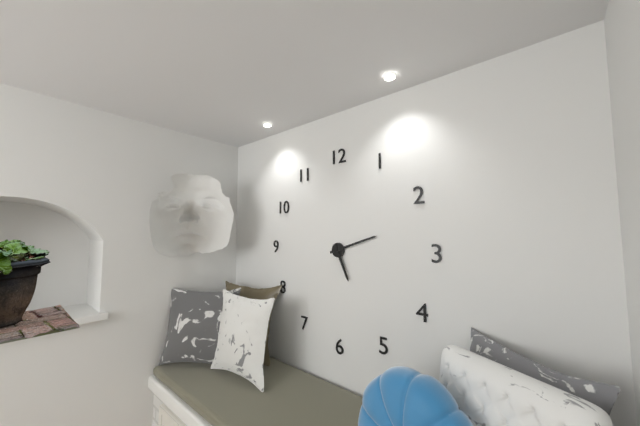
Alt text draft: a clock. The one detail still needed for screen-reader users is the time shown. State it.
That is 5:12
